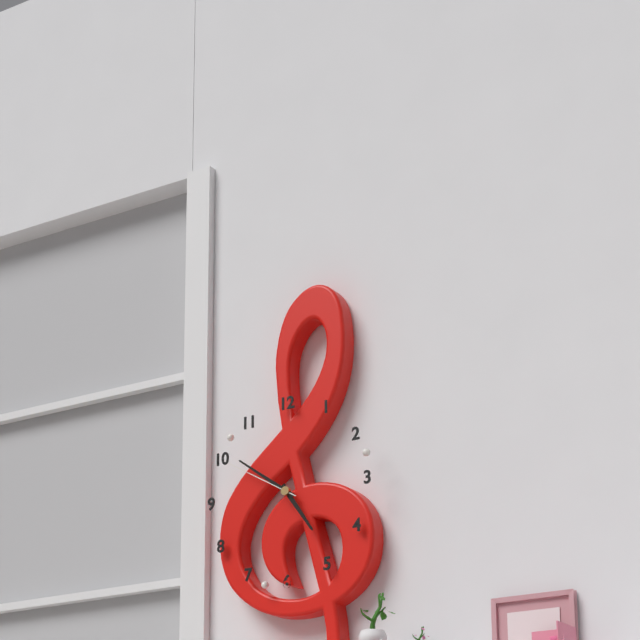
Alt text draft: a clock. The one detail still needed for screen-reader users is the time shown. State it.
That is 4:51:50
